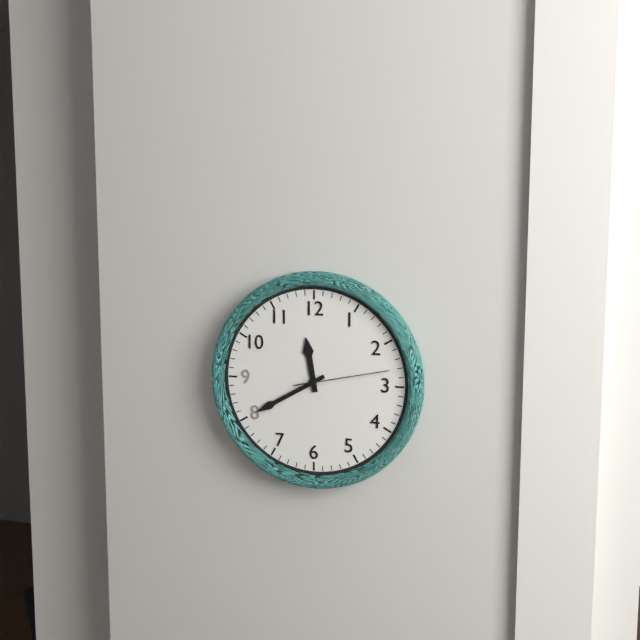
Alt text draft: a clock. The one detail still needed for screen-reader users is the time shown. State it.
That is 11:40:13
